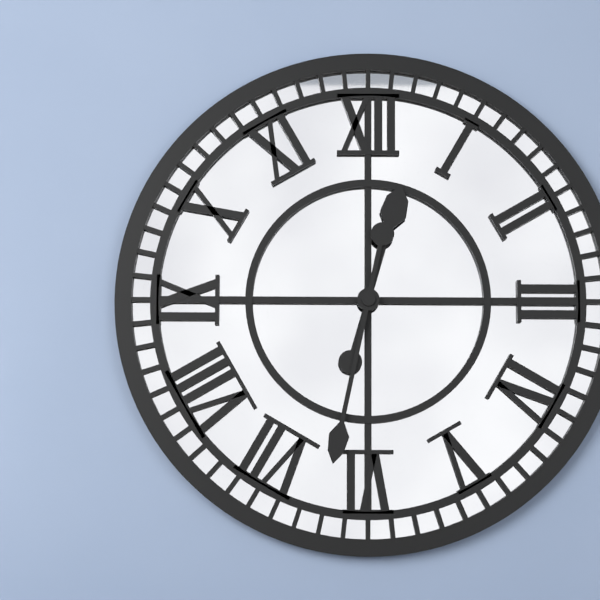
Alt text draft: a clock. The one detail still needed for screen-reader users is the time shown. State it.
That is 12:32
